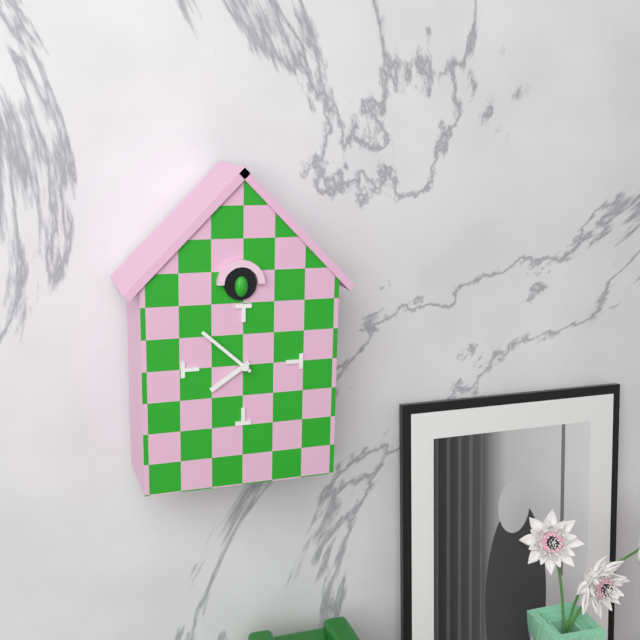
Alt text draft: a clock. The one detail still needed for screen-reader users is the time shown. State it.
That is 7:52
